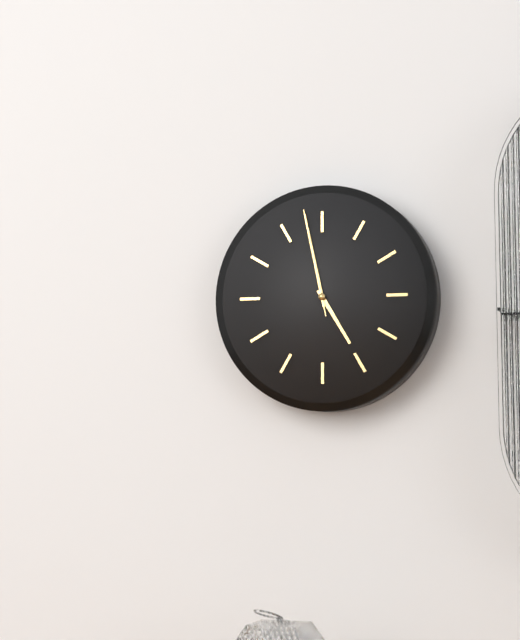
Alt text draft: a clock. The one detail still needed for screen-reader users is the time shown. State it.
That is 4:58:58
